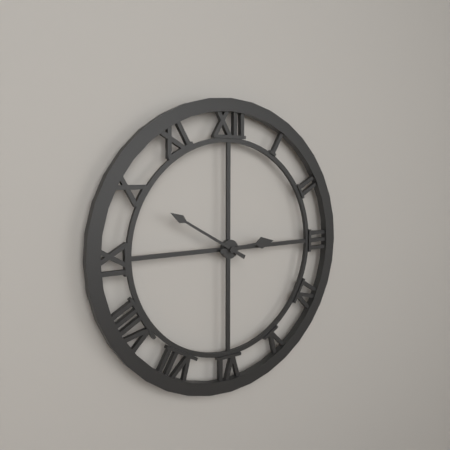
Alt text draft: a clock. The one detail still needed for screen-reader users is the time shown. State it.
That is 2:50
